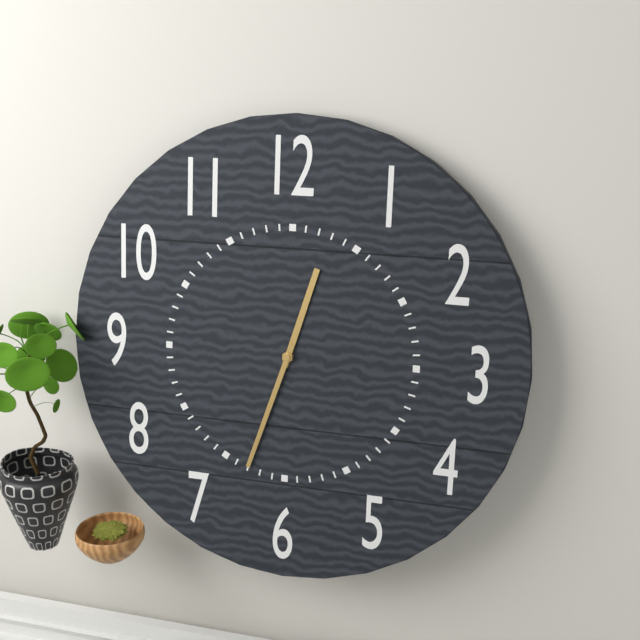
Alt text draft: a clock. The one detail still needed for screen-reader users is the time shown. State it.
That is 12:33
